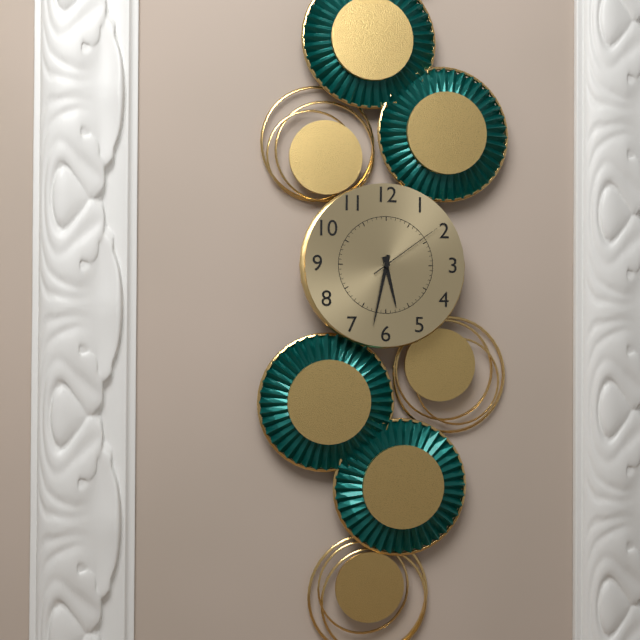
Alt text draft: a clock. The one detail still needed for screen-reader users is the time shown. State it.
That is 5:32:09
